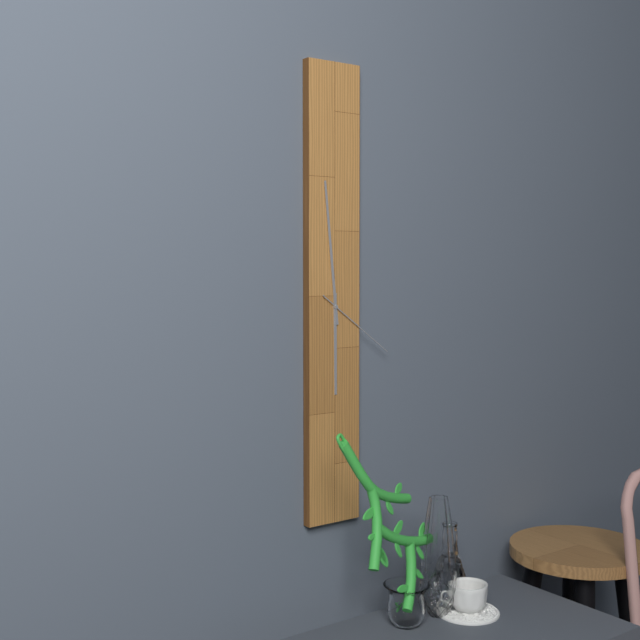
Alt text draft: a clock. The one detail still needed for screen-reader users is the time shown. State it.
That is 5:59:21
